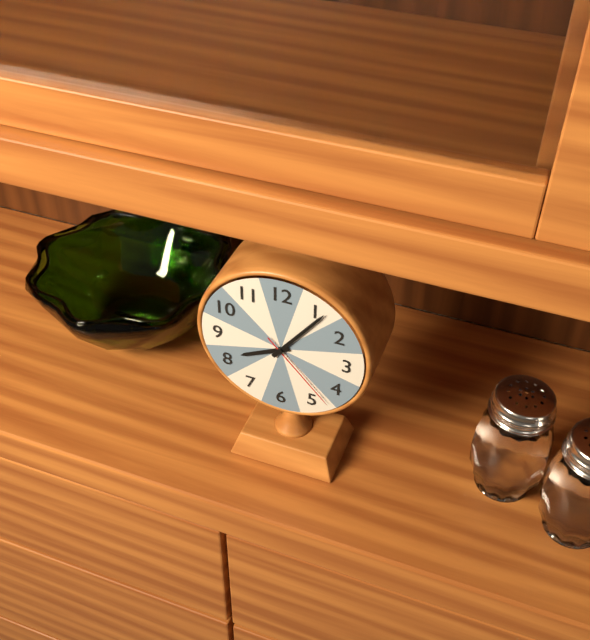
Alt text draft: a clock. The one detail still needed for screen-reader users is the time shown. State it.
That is 8:06:23
